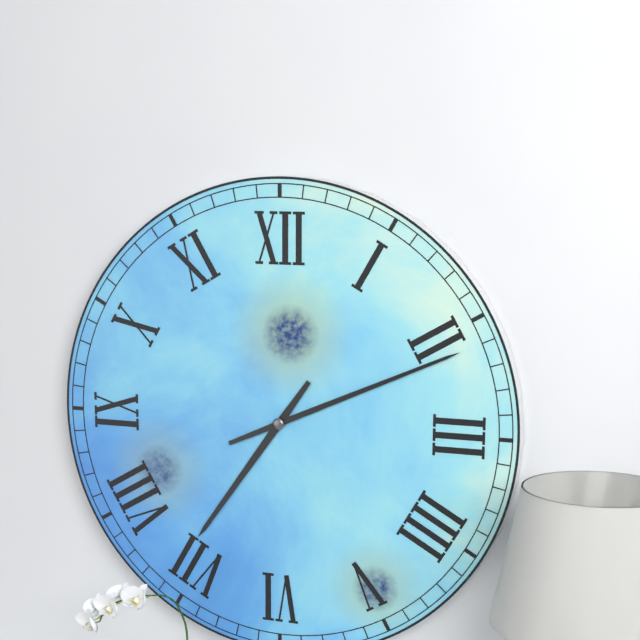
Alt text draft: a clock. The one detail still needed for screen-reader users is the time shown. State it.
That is 7:11
